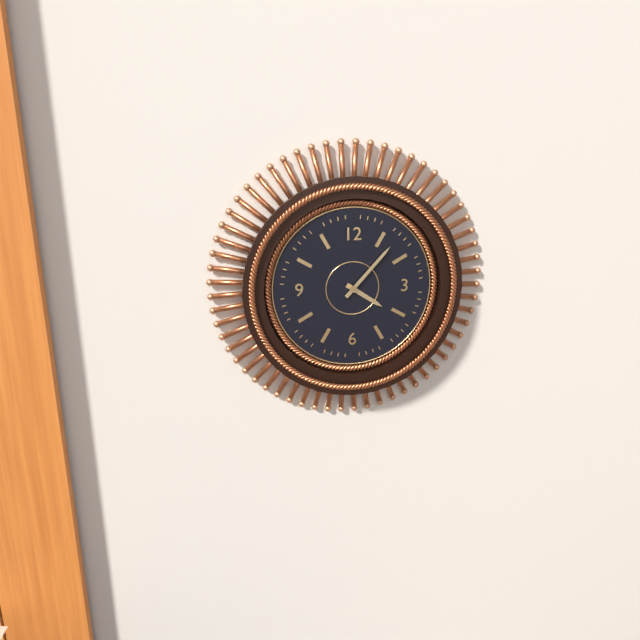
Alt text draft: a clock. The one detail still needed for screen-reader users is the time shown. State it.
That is 4:07
